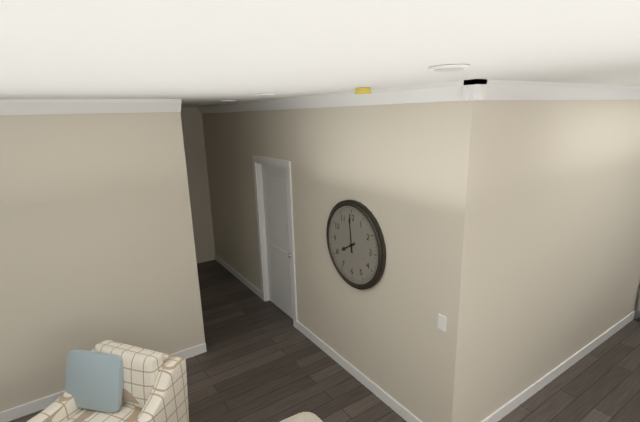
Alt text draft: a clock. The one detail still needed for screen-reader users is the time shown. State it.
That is 7:59
